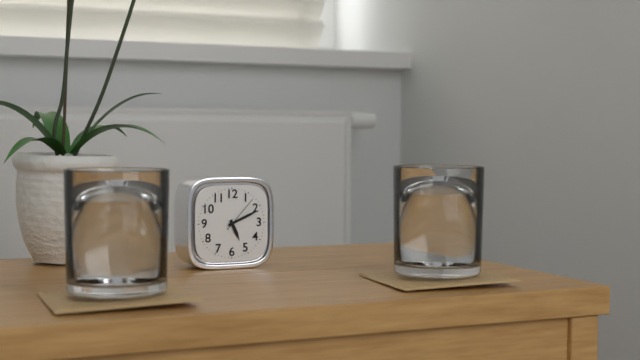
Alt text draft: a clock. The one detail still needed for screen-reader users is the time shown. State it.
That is 5:11
